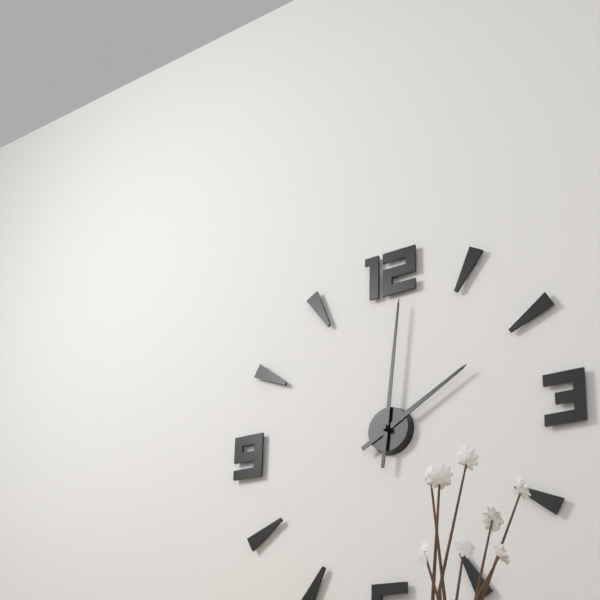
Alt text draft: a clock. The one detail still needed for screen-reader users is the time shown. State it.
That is 2:01
